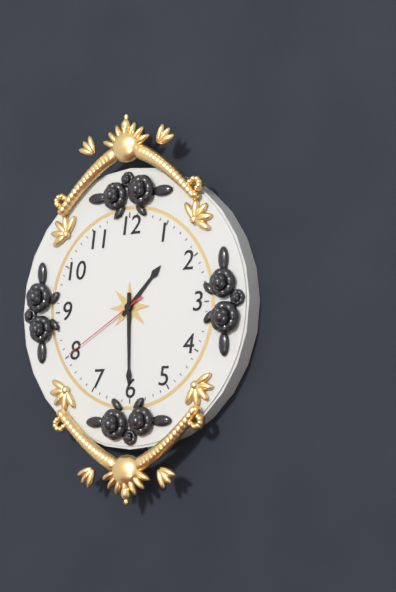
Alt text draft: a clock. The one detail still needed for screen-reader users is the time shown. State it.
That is 1:30:40
